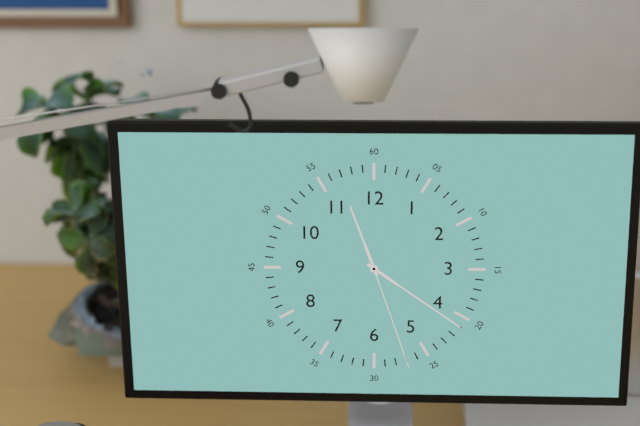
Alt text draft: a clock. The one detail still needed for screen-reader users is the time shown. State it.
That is 11:21:27
